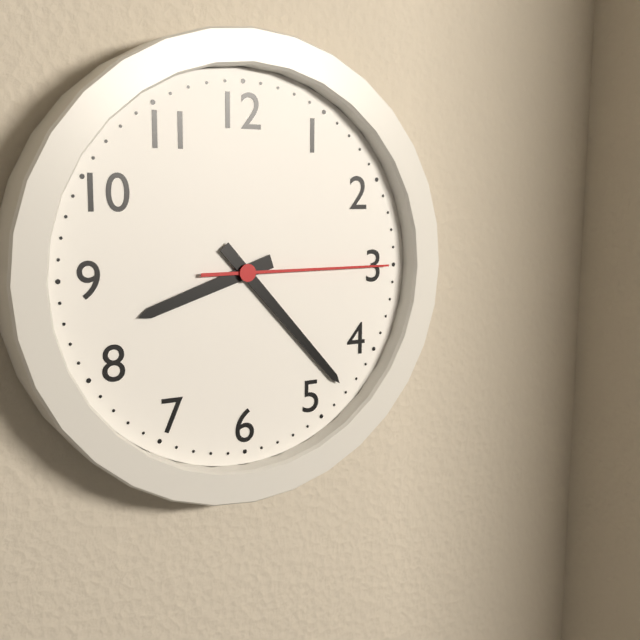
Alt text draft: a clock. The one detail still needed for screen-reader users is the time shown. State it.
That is 8:23:15
